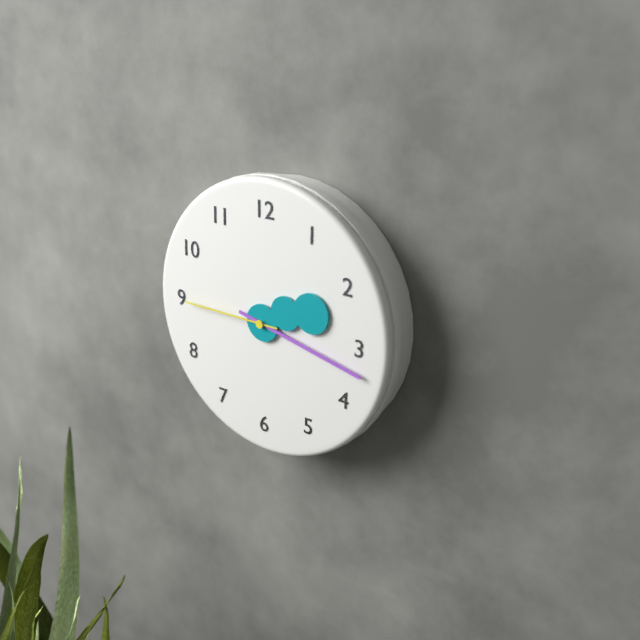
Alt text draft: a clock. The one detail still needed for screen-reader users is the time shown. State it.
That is 2:17:45
